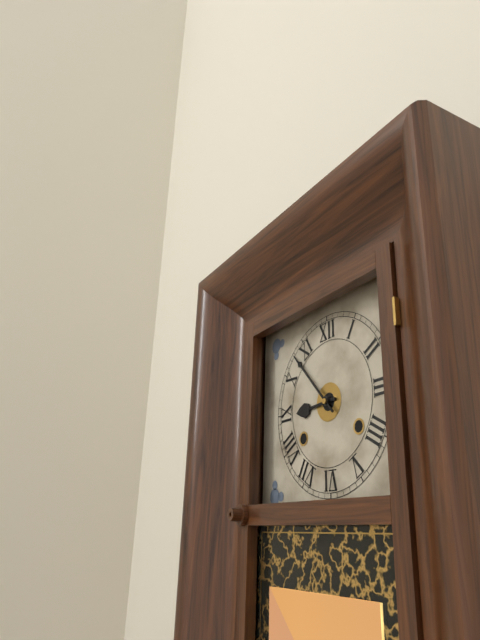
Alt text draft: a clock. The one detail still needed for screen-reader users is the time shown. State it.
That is 8:53
